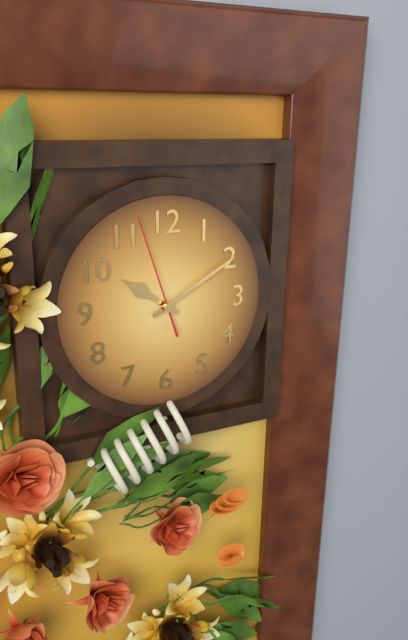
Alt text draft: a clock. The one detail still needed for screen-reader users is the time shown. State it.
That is 10:10:57
